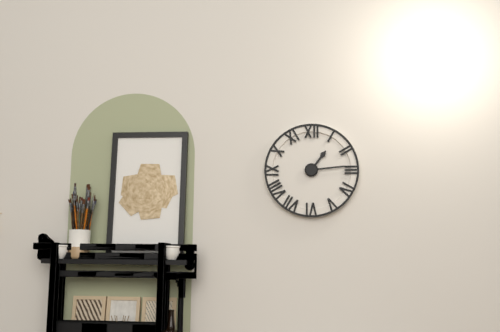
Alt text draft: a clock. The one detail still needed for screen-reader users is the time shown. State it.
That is 1:14
